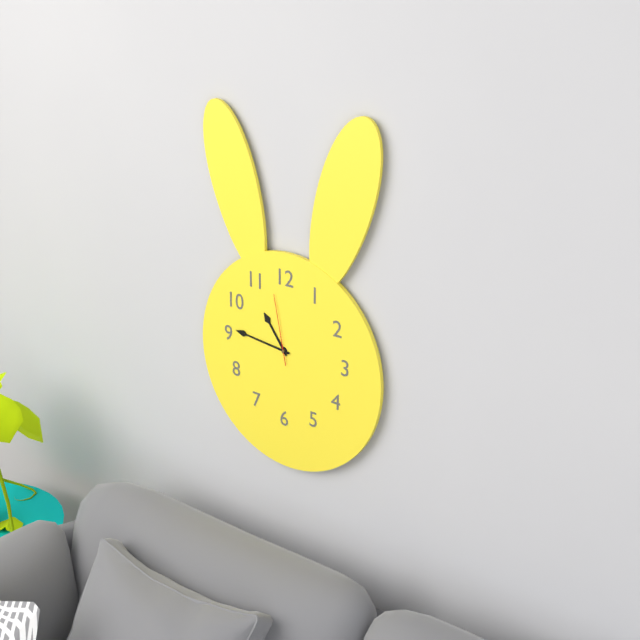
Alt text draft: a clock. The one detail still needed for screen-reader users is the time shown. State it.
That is 10:46:58
